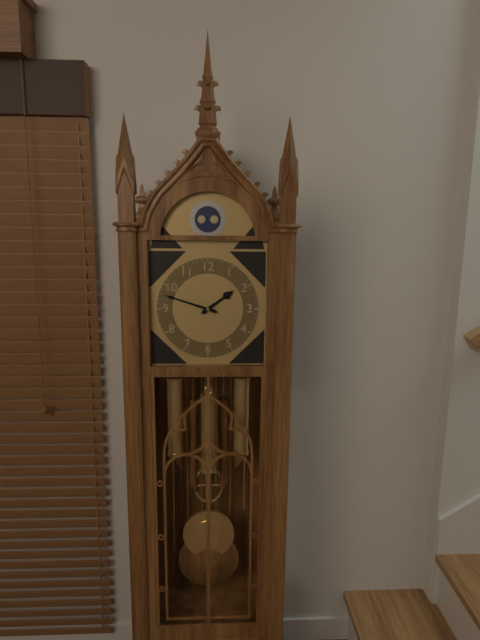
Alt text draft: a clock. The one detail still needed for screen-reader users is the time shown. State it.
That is 1:48
